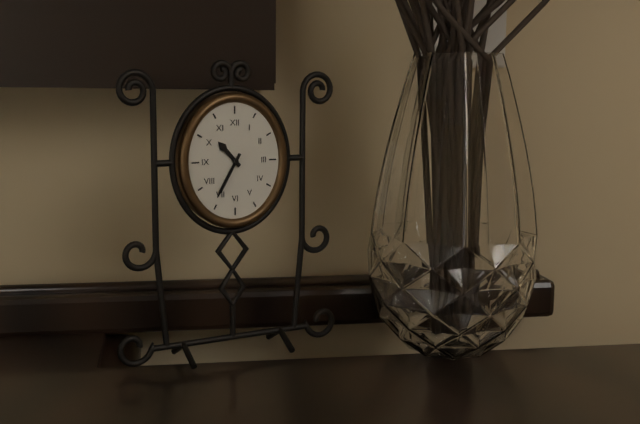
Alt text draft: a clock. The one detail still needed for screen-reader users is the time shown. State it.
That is 10:35
